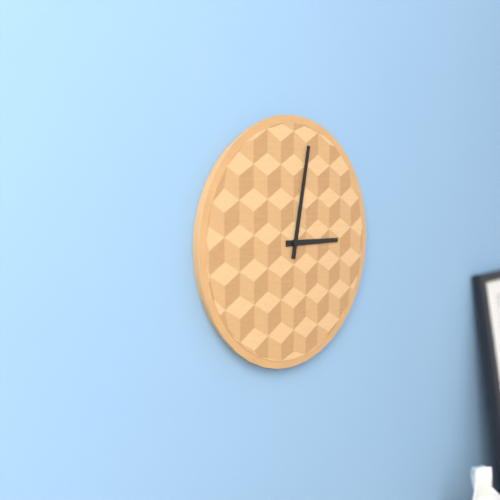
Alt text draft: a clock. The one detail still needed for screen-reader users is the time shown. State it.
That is 3:02
